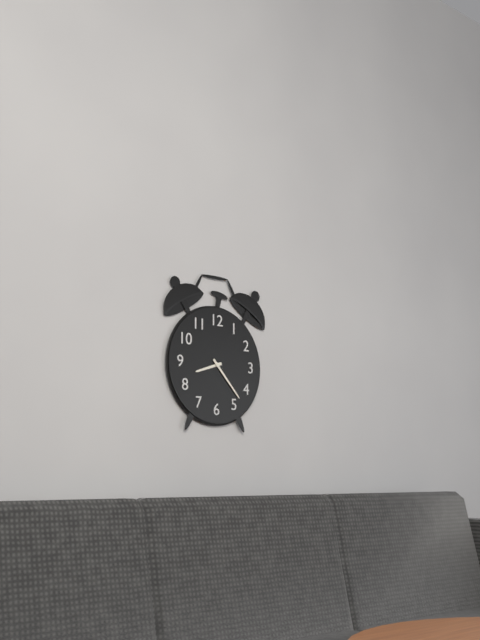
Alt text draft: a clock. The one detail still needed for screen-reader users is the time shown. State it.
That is 8:23
